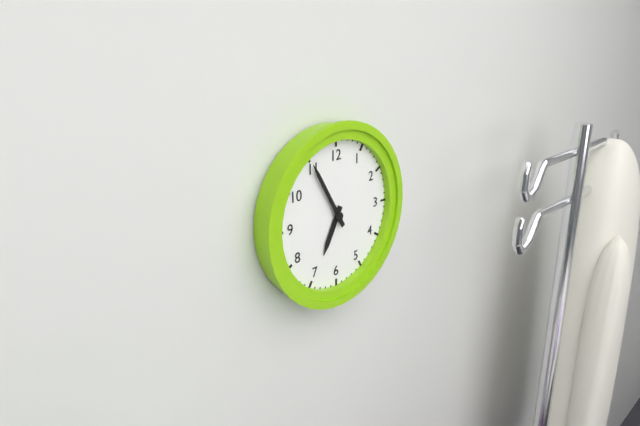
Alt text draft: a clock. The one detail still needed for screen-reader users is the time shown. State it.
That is 6:55
